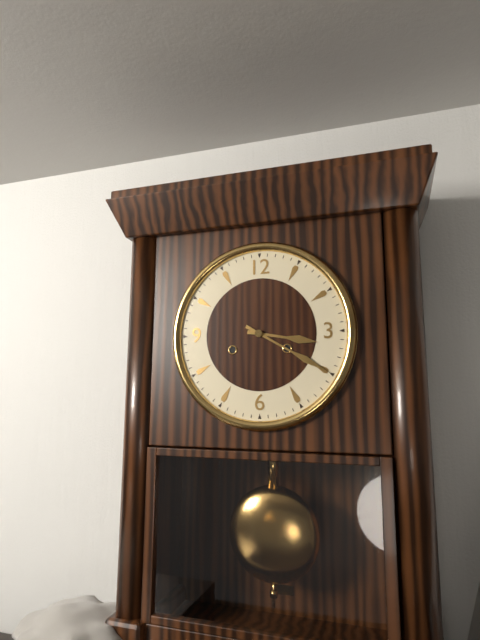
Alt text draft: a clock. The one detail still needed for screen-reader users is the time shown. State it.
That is 3:20
